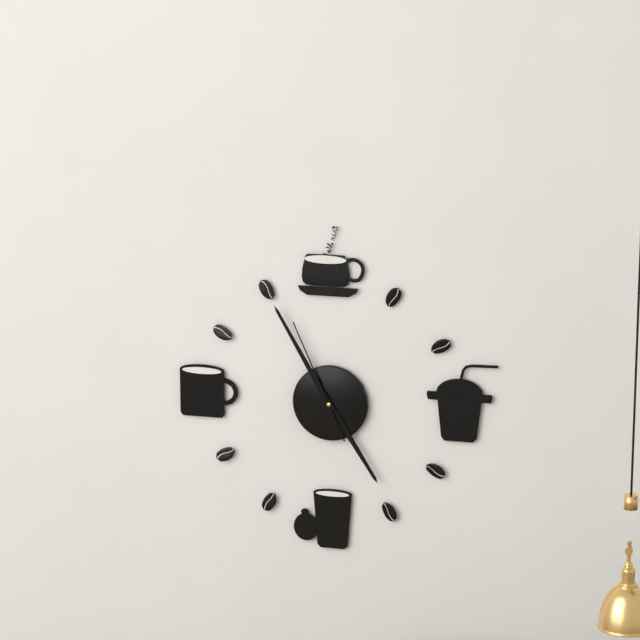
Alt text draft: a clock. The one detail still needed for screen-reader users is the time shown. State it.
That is 4:55:56
